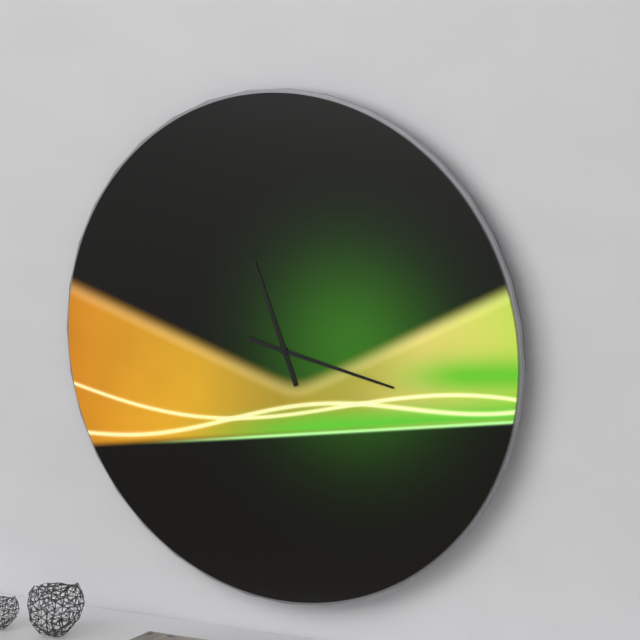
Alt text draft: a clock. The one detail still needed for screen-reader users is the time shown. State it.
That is 11:17
